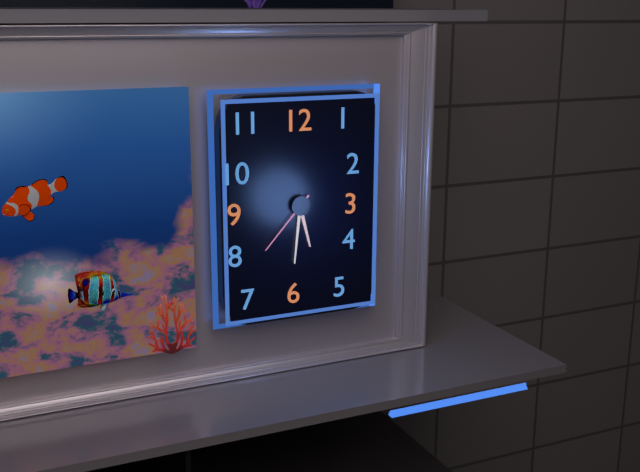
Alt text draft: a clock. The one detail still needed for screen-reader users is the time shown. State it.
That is 5:31:37
